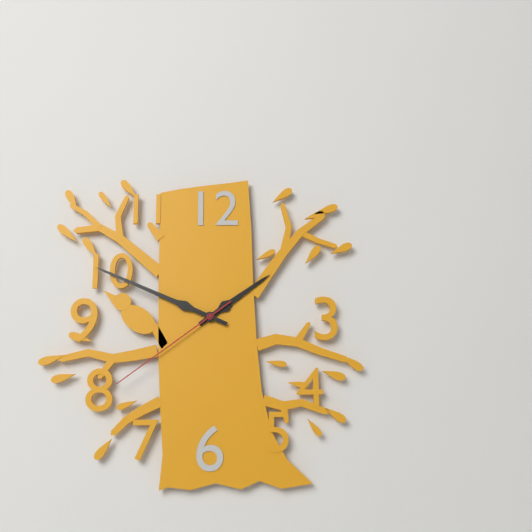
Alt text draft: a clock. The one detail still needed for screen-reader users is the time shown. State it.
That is 1:49:39
